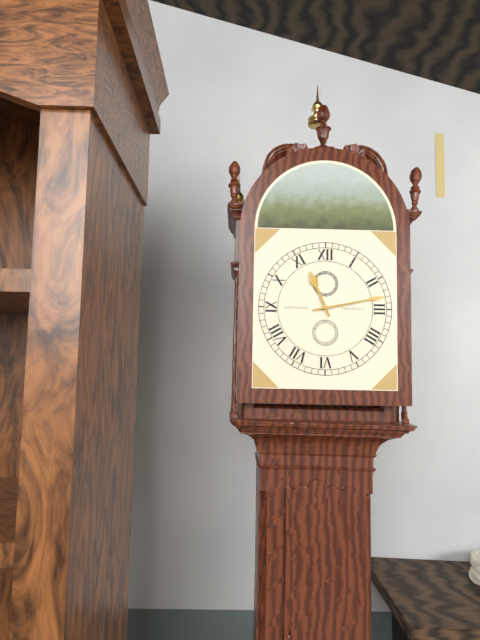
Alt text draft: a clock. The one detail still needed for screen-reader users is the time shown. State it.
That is 11:13
